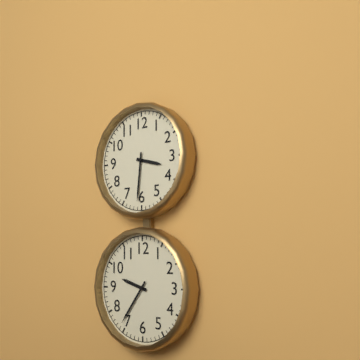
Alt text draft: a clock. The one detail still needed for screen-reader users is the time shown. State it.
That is 3:31
